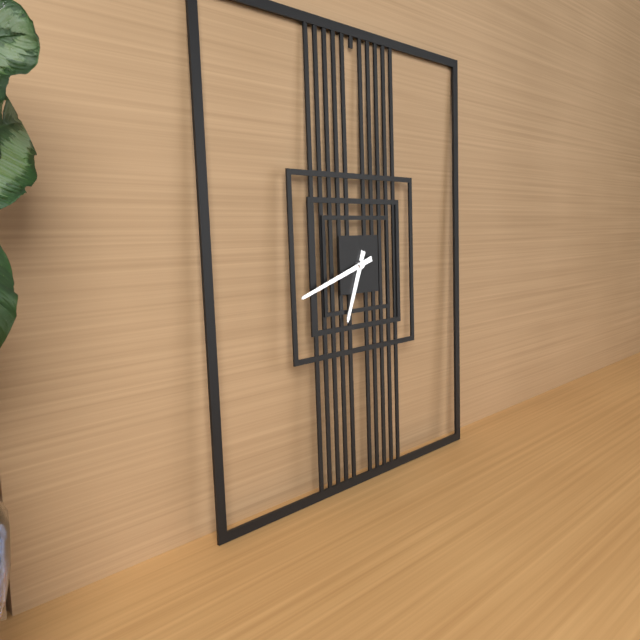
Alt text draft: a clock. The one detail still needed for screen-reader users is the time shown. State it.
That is 6:42
